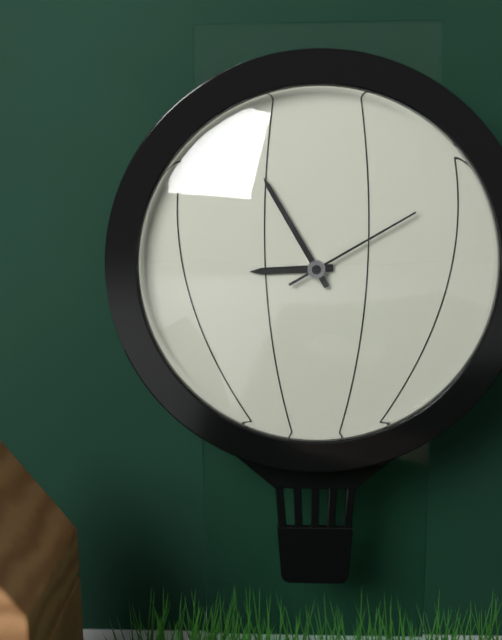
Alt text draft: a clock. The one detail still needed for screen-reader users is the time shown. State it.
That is 8:55:10
